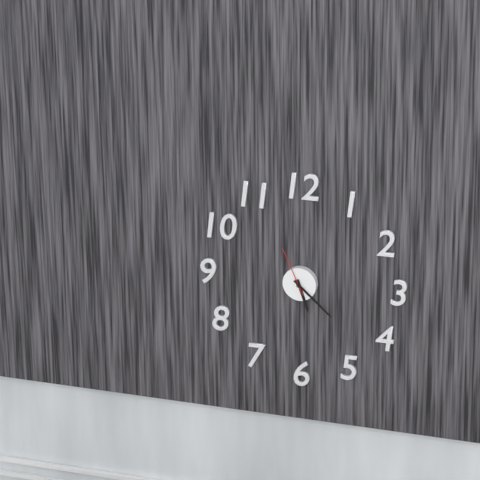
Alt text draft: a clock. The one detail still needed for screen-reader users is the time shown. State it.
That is 5:22:56
